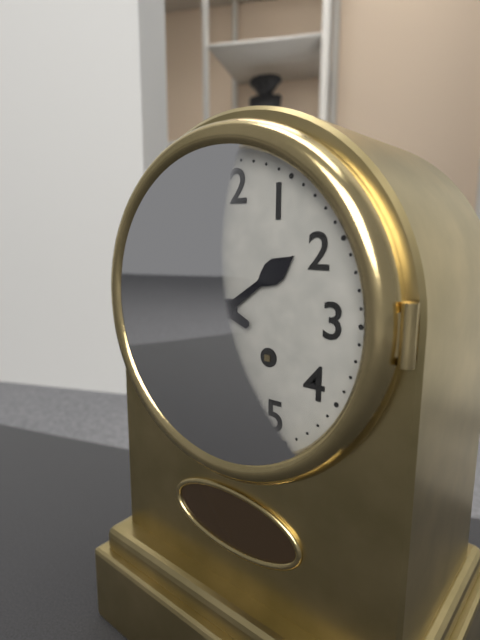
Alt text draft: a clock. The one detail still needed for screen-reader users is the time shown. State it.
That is 1:49
